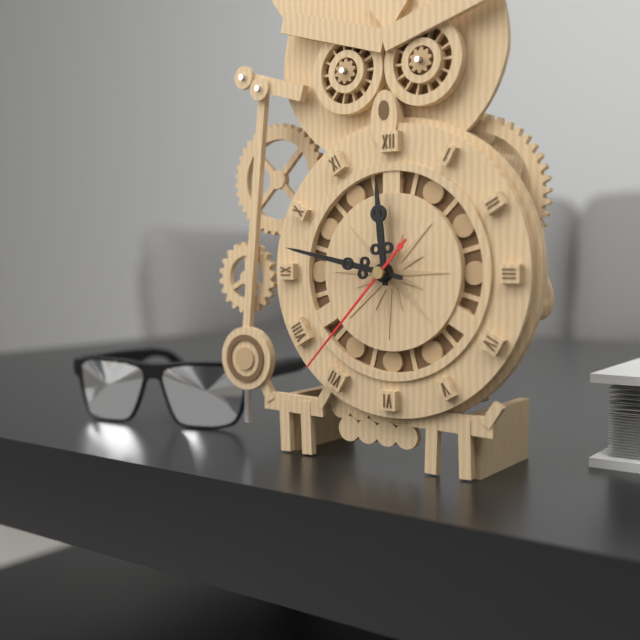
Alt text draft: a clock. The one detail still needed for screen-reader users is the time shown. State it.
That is 11:47:37
